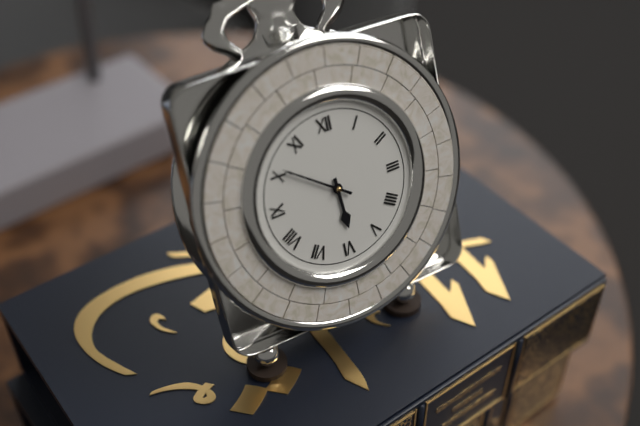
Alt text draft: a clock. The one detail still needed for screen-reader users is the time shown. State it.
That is 5:51
